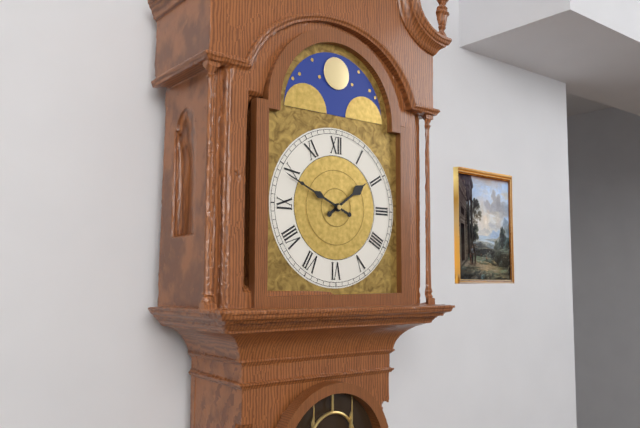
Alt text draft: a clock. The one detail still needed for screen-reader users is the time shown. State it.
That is 1:49
